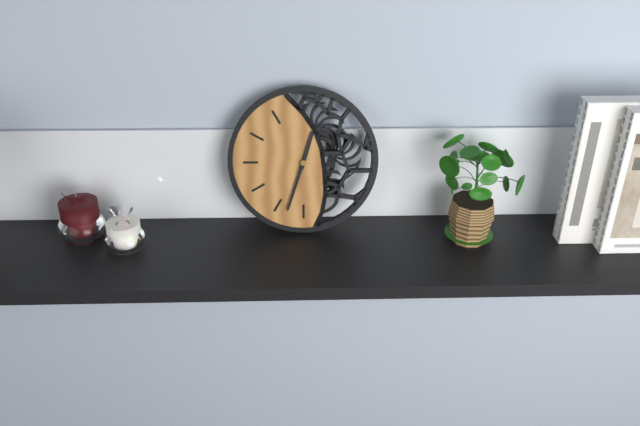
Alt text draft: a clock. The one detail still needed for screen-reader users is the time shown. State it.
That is 12:33
